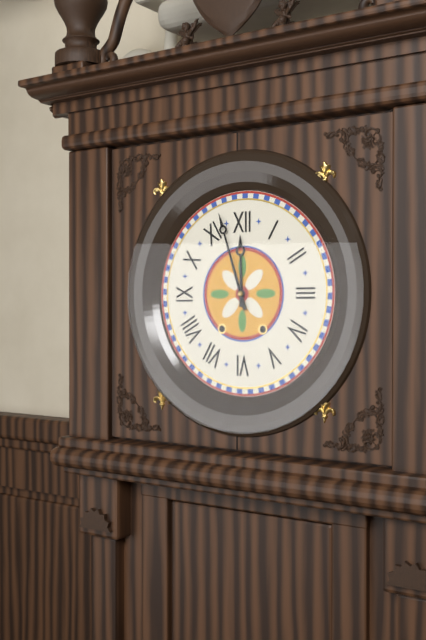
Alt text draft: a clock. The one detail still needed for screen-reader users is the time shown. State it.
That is 11:57
